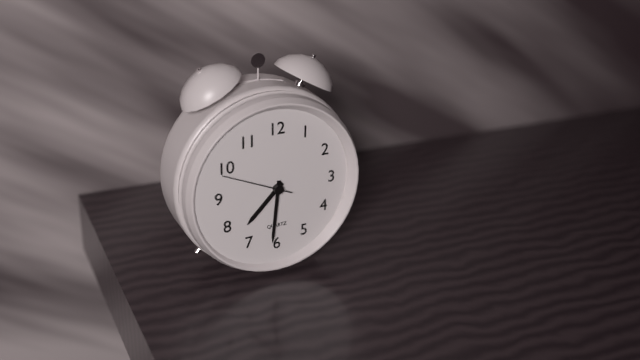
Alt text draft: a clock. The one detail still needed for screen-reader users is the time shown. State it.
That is 7:31:49
